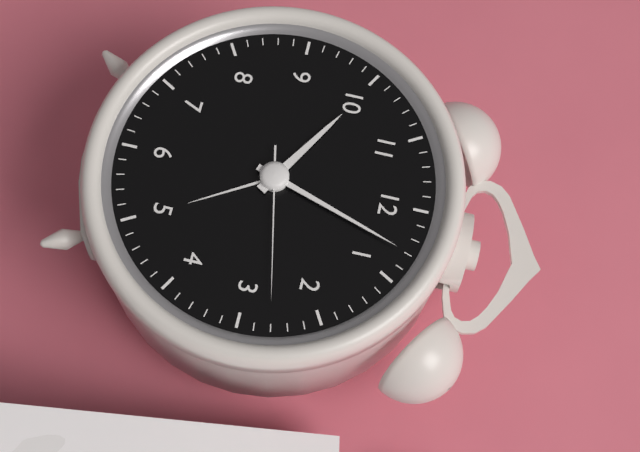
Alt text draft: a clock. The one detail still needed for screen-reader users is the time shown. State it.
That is 10:03:13
